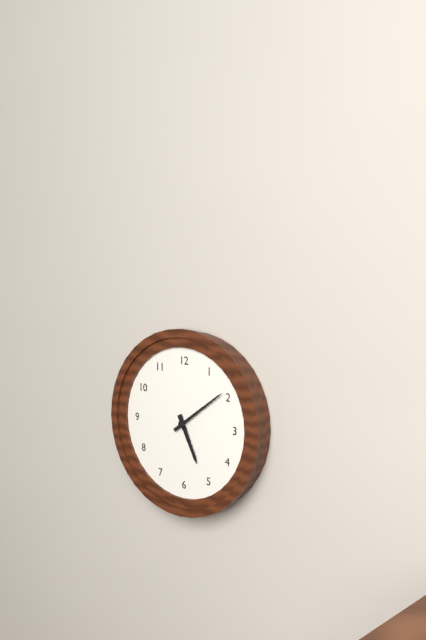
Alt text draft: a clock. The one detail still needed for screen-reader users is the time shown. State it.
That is 5:09
